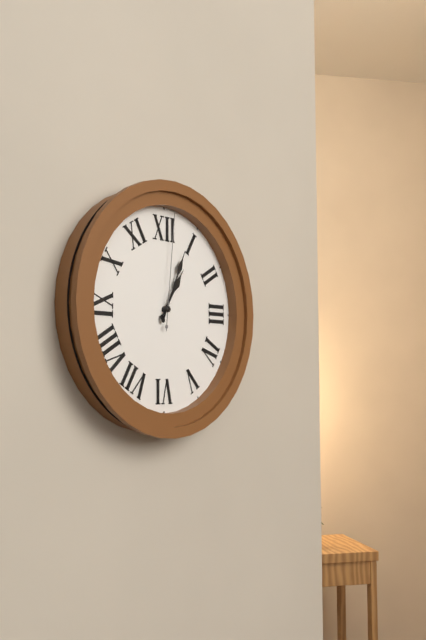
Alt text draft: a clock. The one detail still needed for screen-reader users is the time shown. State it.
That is 1:04:01
